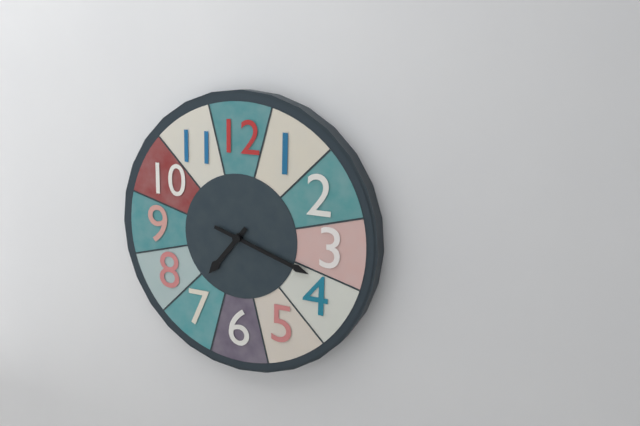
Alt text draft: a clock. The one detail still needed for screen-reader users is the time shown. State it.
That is 7:18
